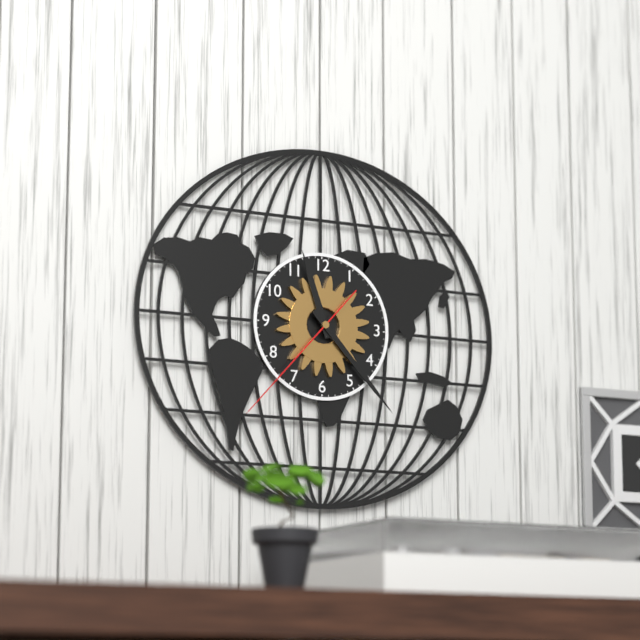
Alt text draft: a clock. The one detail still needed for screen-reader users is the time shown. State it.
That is 11:23:37
